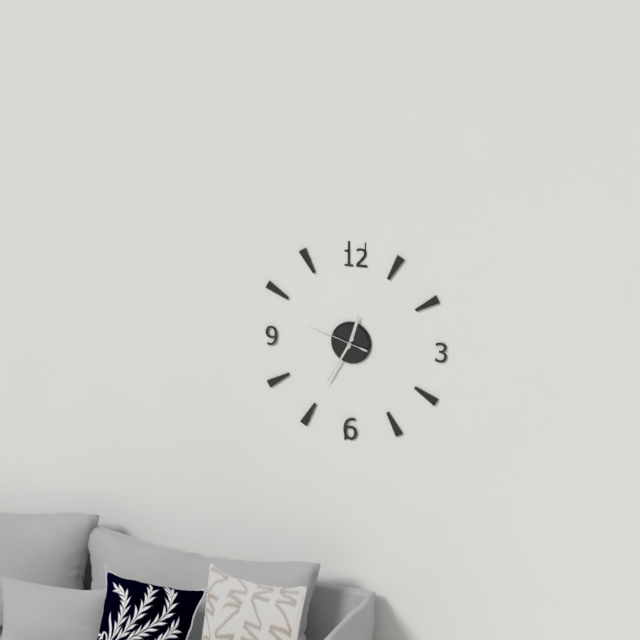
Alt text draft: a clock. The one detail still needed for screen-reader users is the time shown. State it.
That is 12:35:48
